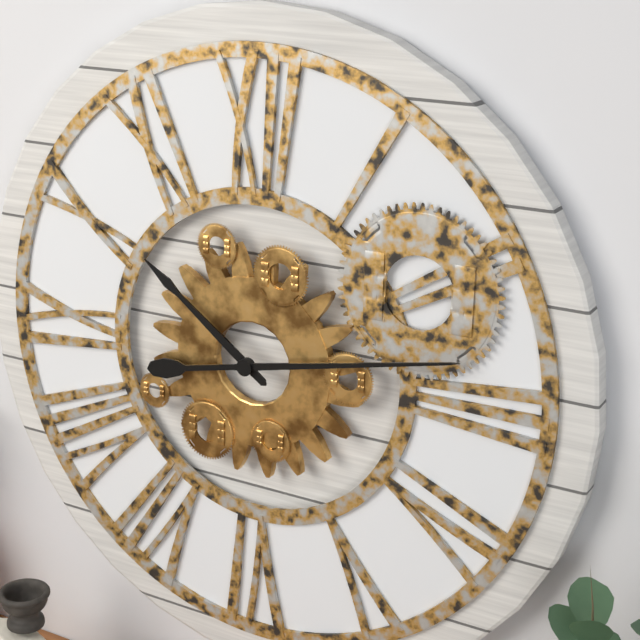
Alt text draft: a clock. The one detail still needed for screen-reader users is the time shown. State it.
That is 10:13
